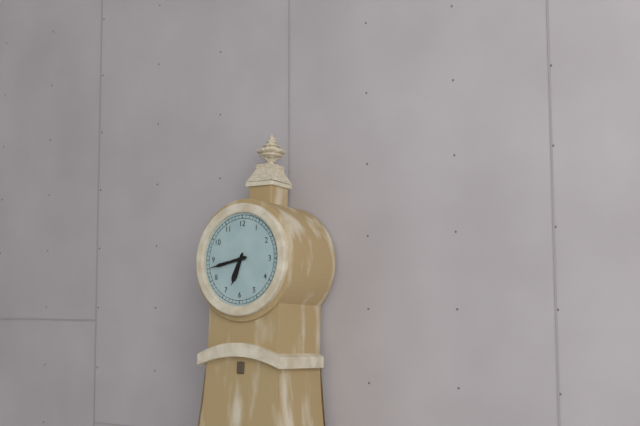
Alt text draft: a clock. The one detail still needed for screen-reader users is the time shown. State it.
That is 6:43
